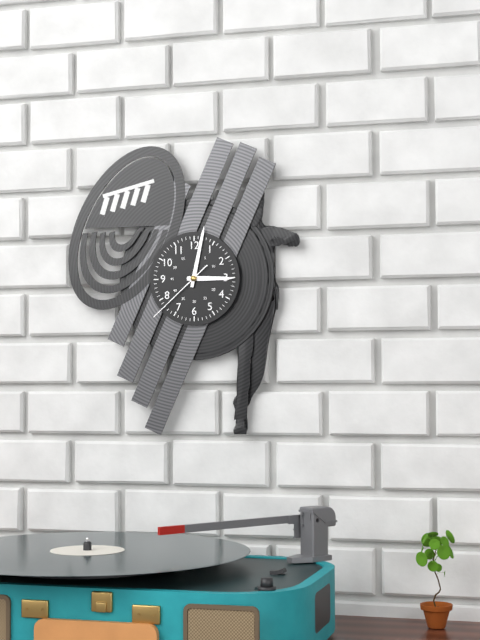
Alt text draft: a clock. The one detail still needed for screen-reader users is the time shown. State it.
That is 3:02:38
